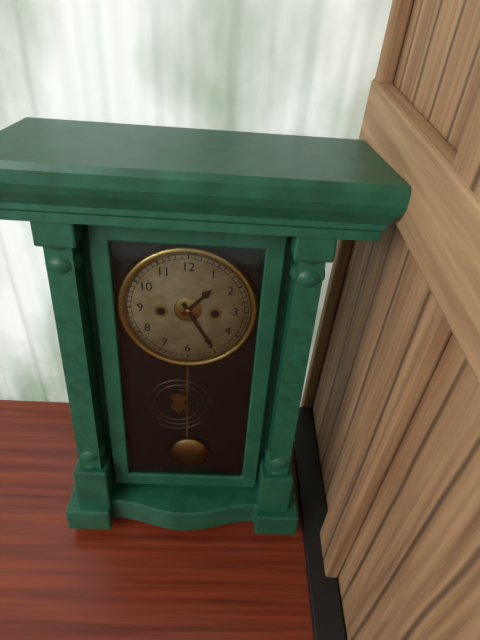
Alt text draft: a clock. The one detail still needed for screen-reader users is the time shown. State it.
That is 1:25
